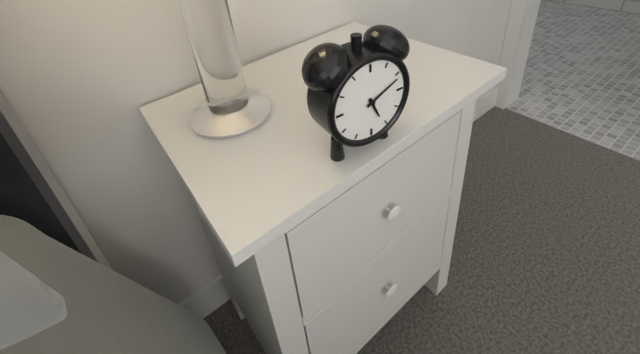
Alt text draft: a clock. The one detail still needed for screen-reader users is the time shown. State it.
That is 5:11
